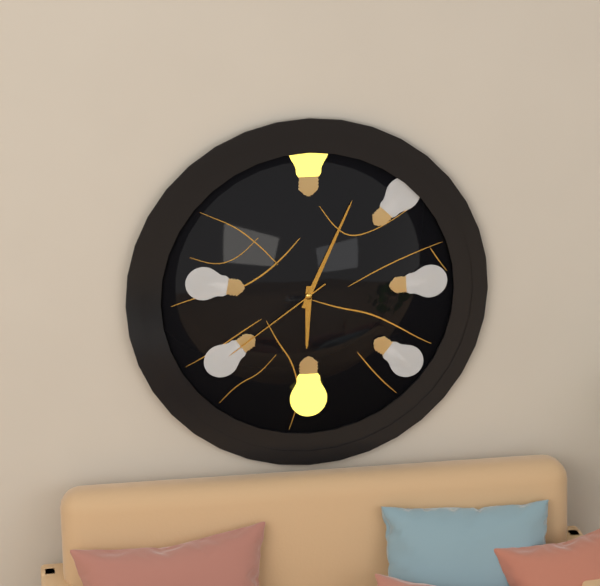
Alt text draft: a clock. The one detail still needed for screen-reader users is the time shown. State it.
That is 6:04:39
